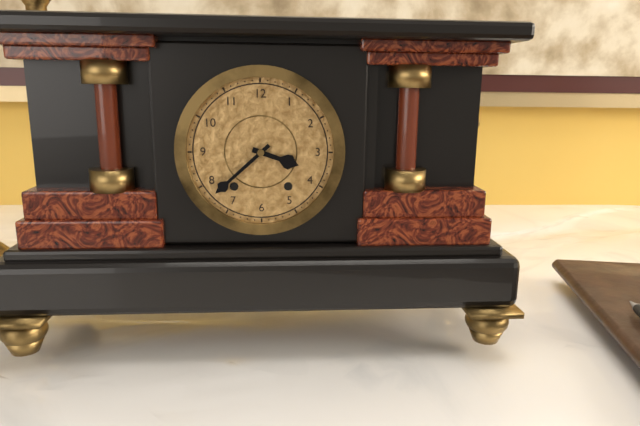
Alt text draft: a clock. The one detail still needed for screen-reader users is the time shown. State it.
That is 3:38
